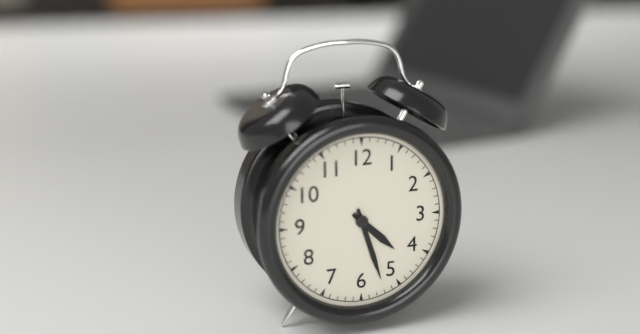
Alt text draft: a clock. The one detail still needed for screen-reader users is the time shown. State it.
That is 4:27
